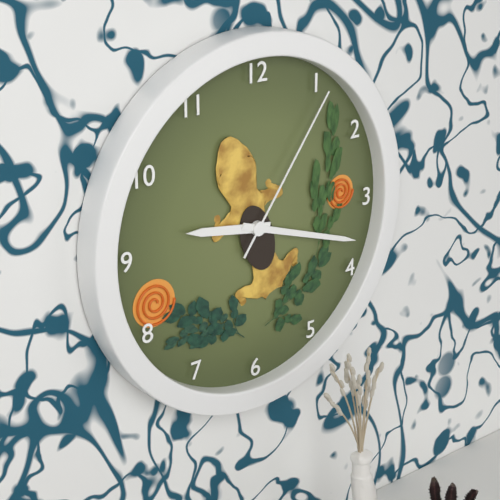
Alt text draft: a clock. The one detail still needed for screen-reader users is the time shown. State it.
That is 9:18:06
